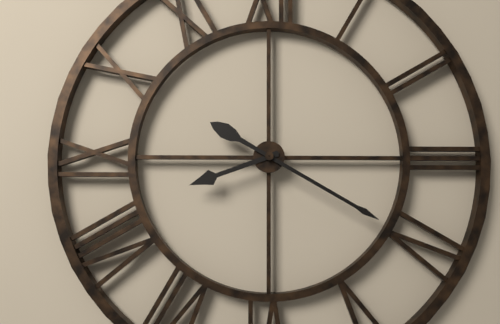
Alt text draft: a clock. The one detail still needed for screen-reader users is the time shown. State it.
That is 8:20
